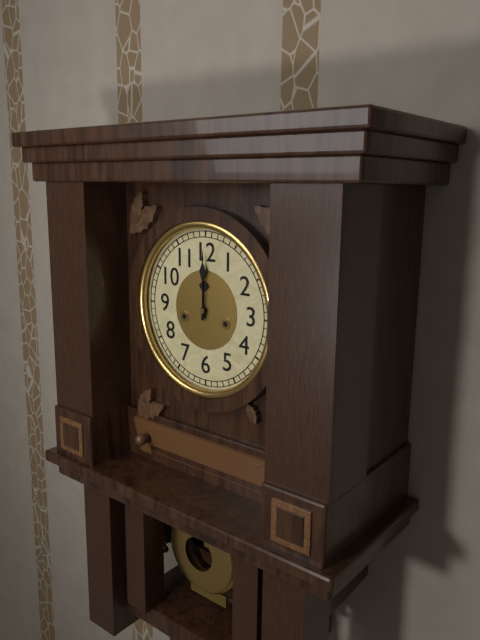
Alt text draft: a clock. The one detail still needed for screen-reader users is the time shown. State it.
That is 12:00
